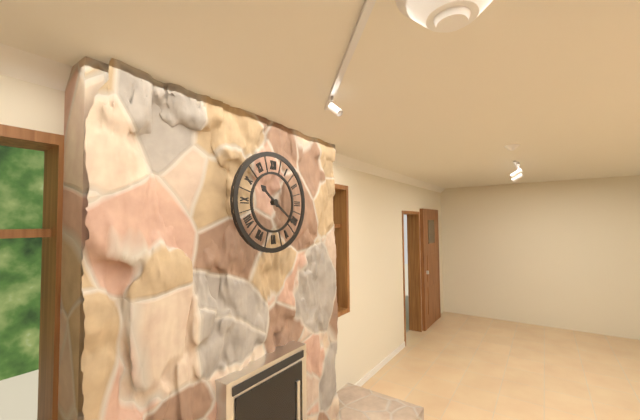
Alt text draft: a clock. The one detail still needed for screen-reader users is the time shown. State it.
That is 10:21
